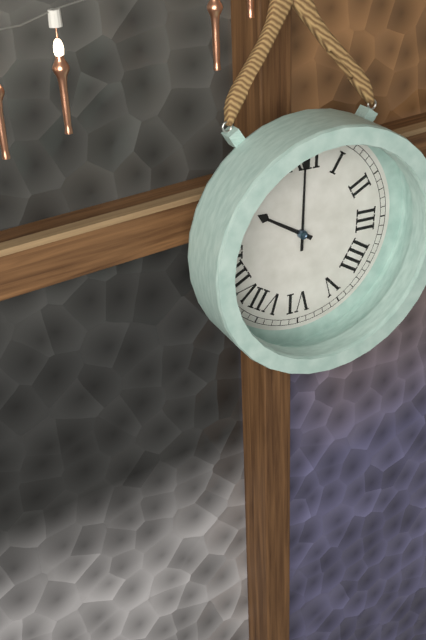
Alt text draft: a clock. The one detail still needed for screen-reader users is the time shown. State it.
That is 10:00
